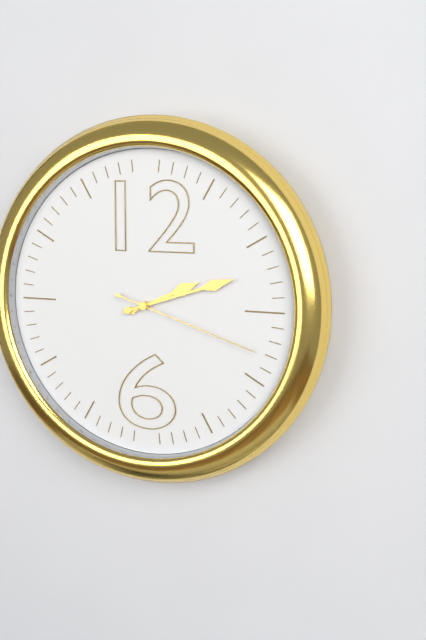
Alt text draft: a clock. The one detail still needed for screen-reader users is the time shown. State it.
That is 2:12:18
